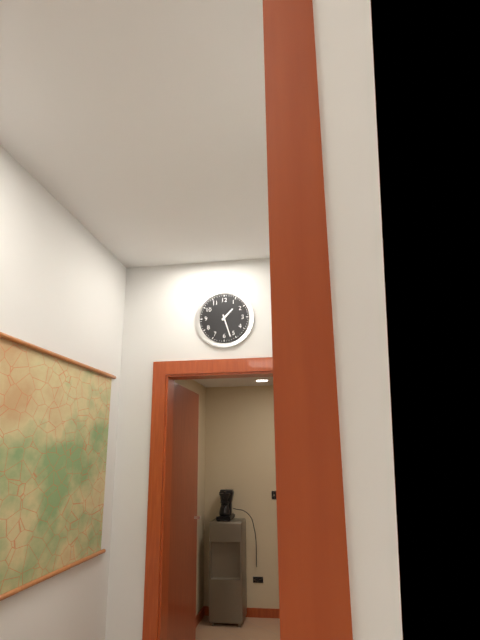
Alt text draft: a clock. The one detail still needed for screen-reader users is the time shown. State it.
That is 1:27
